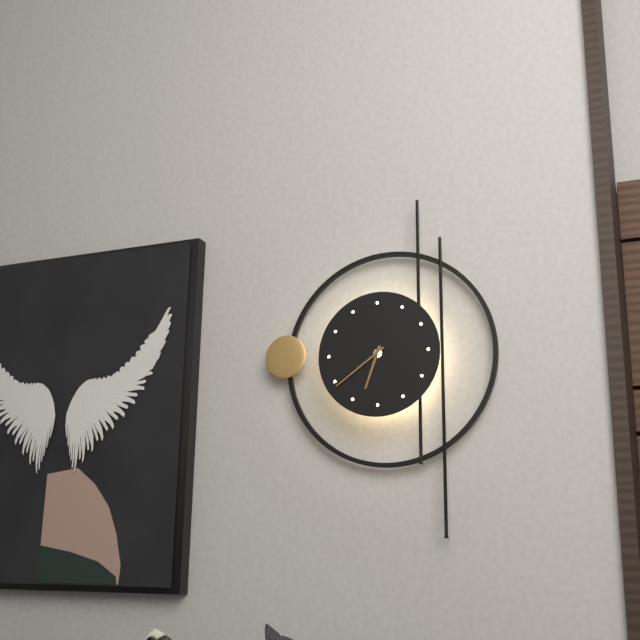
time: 6:39
